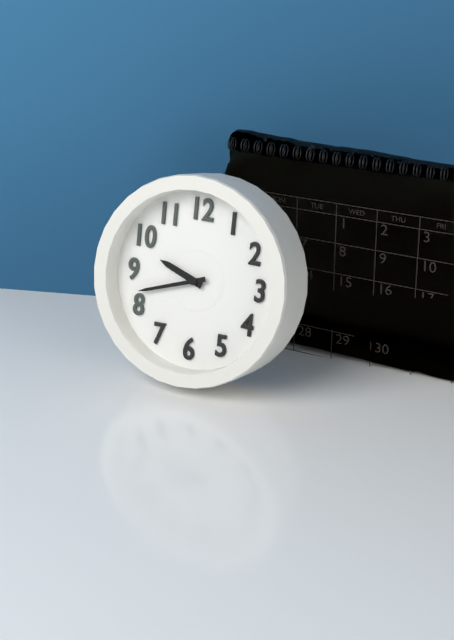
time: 9:42
